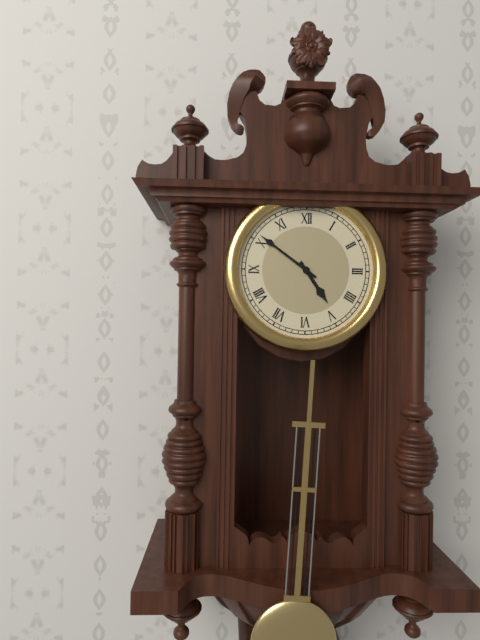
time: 4:51
